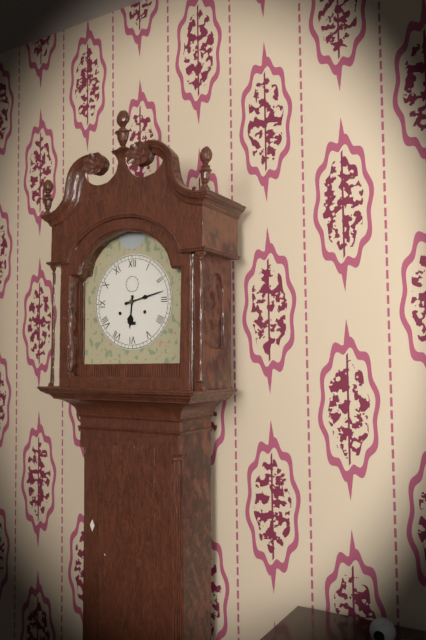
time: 6:13
